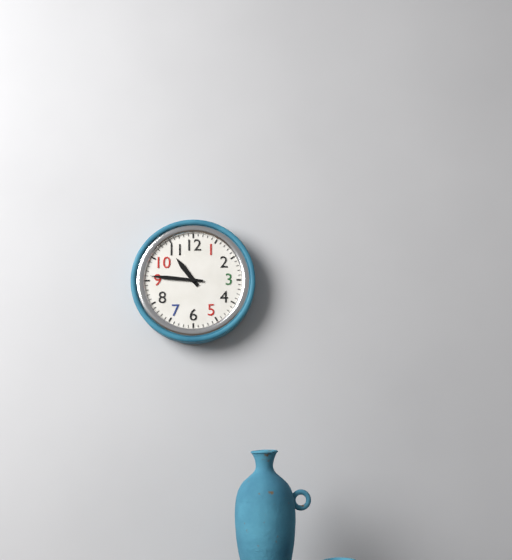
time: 10:46
